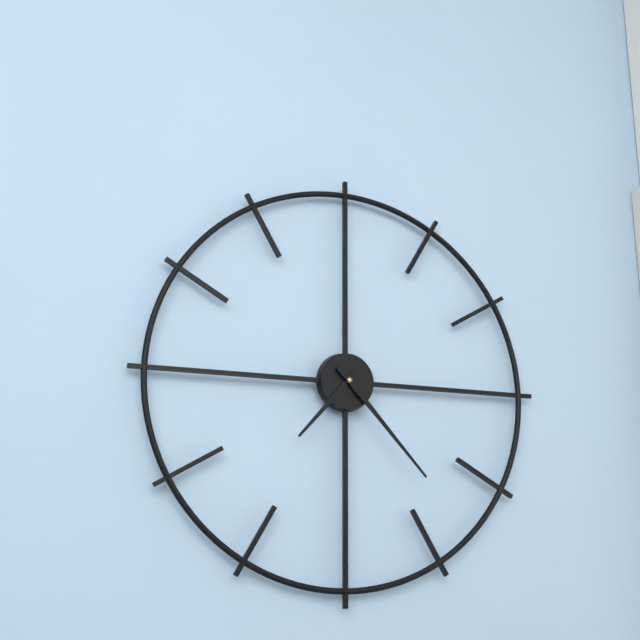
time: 7:23
